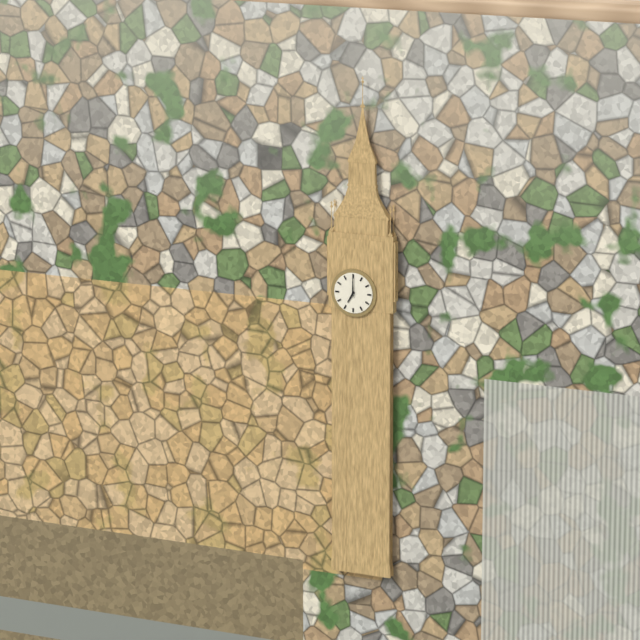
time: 7:00
